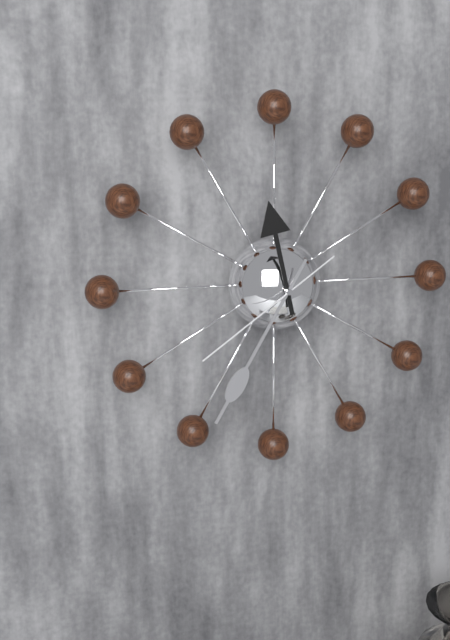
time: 11:35:39
